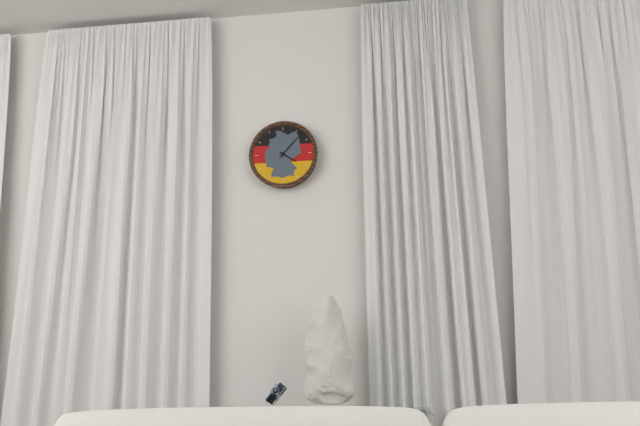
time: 4:07
